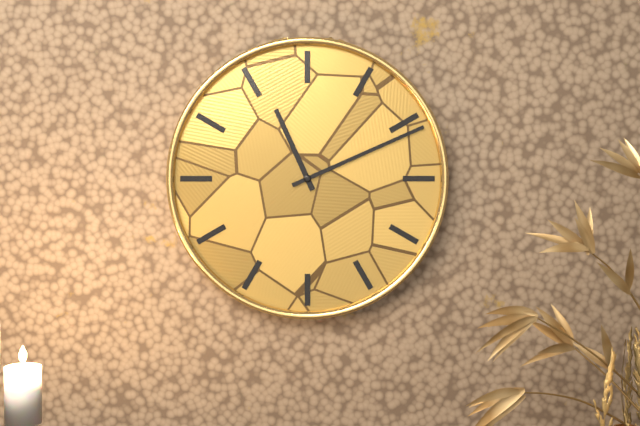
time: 11:11
